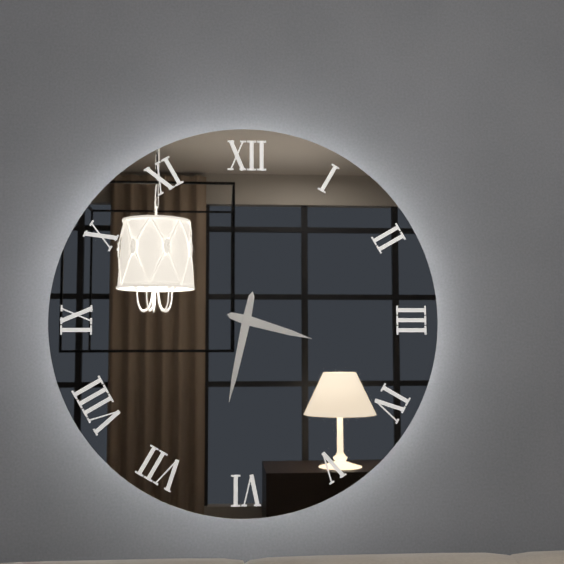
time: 3:32
